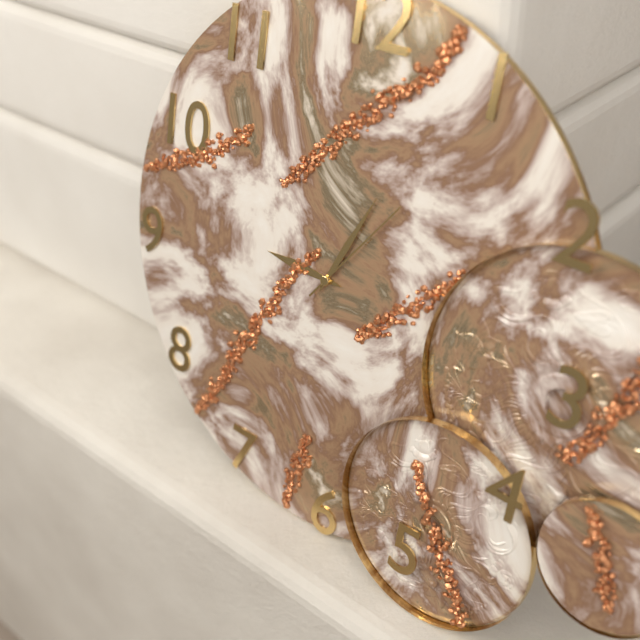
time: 9:04:06
